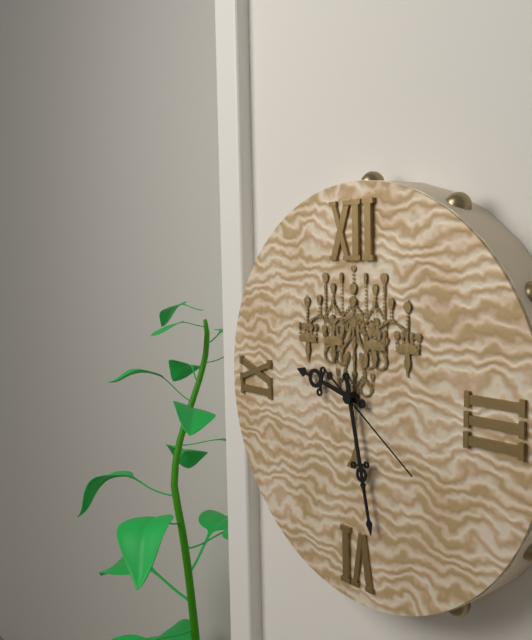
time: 9:28:21
